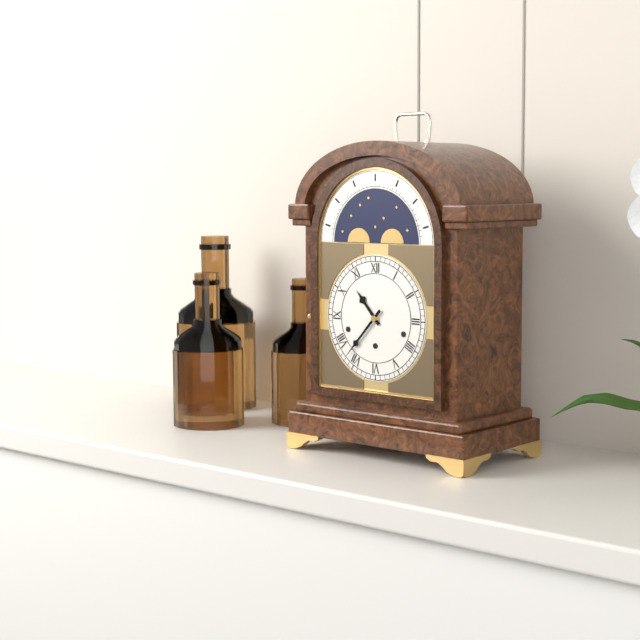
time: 10:37
